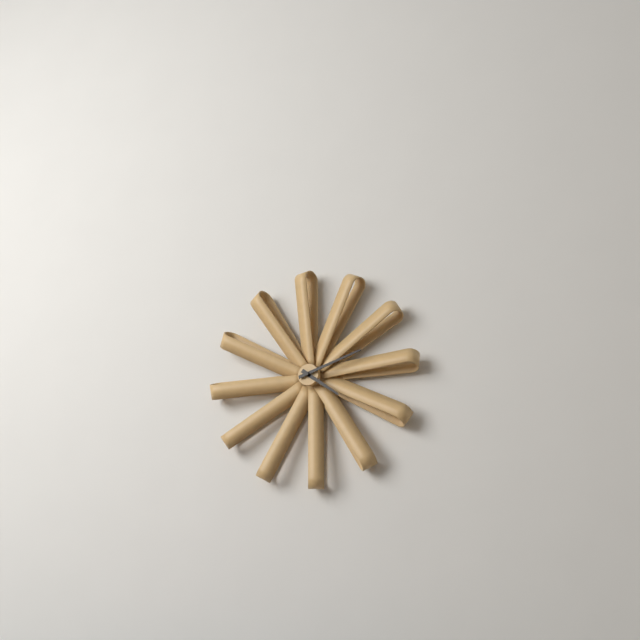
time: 4:12
